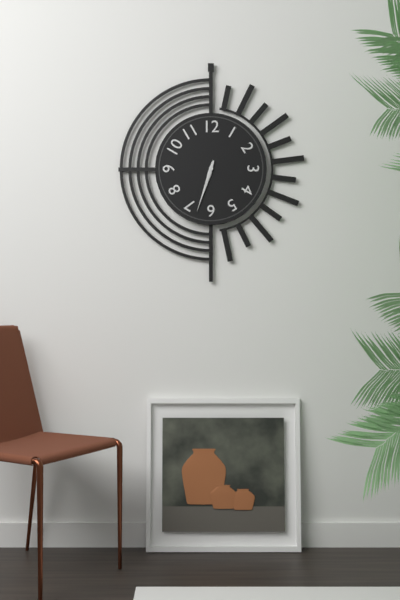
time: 6:33
